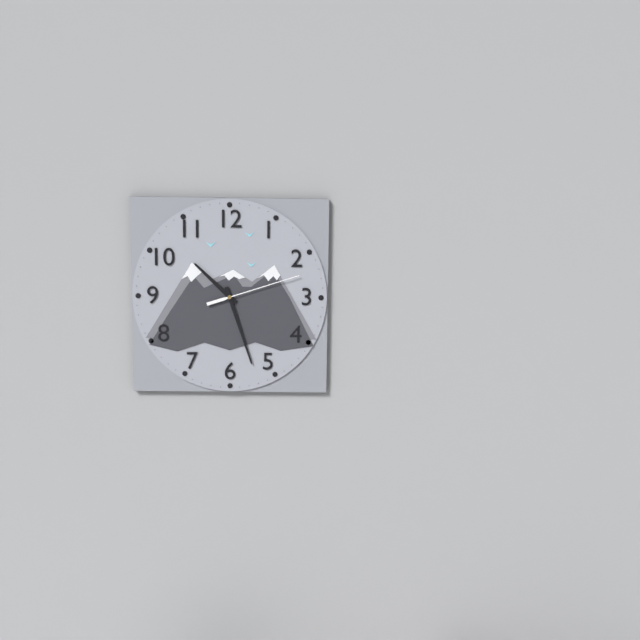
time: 10:27:12
